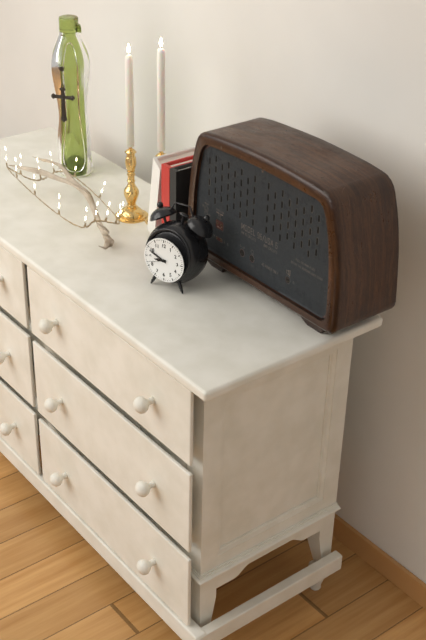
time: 8:49
